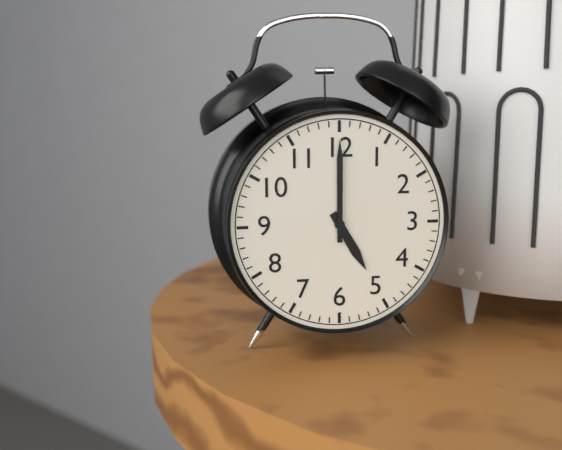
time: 5:00
